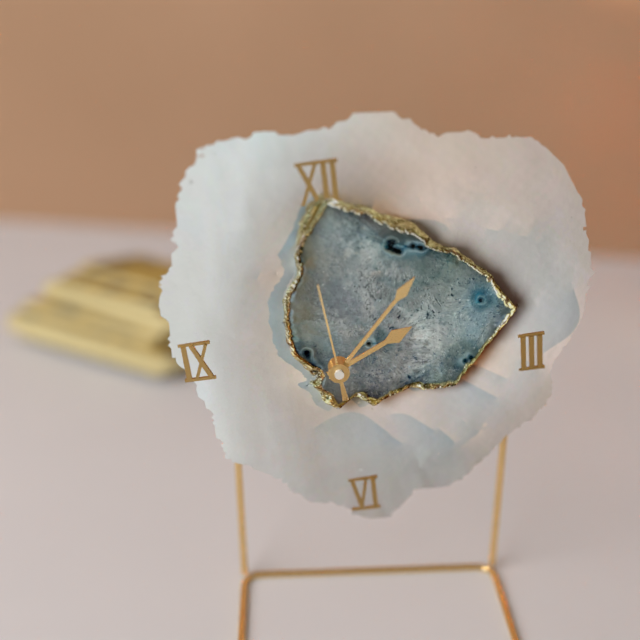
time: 2:07:59
